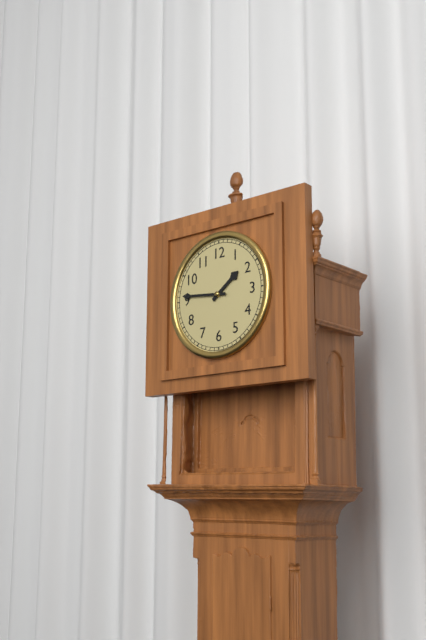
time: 1:46
